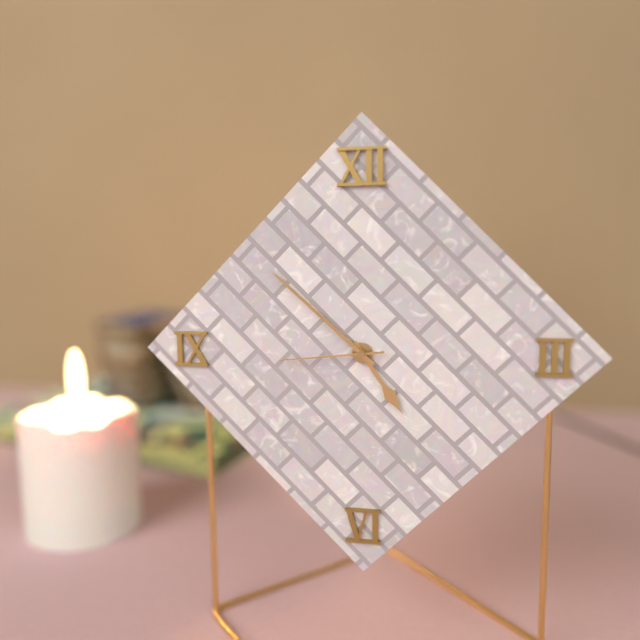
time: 4:52:44
